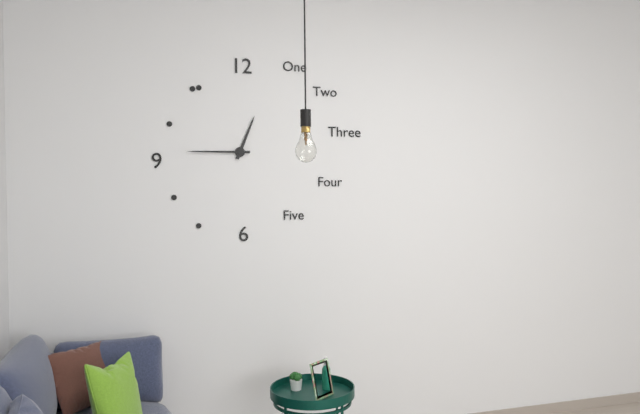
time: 12:45
